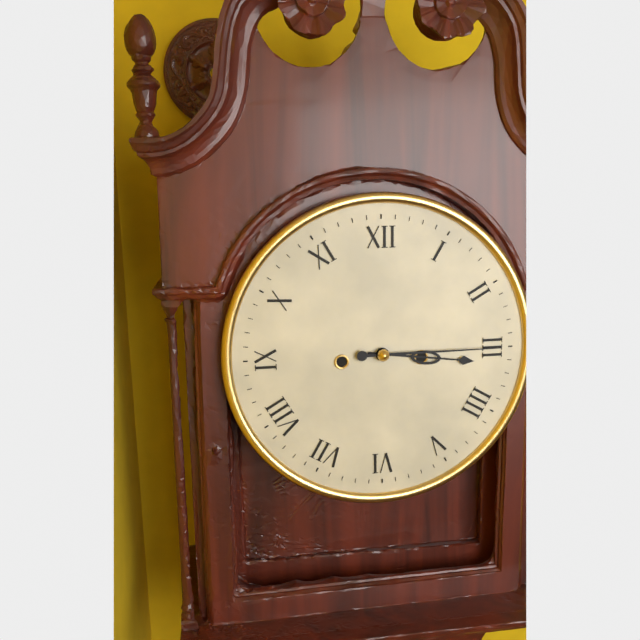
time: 3:15
